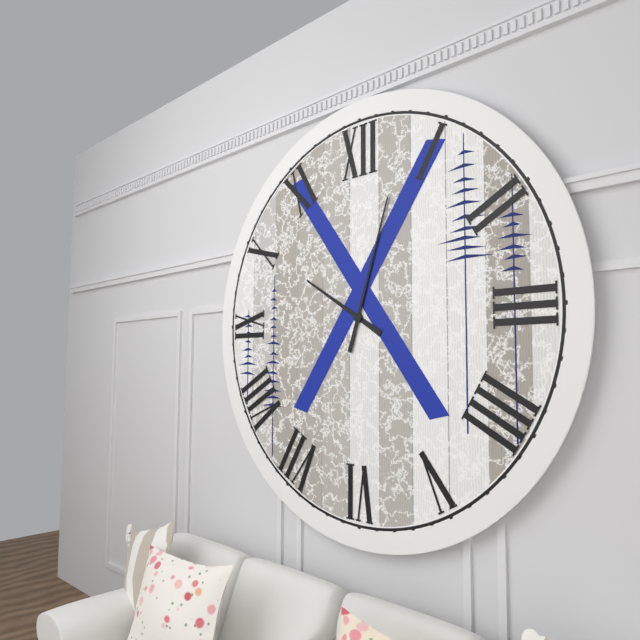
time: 10:03
